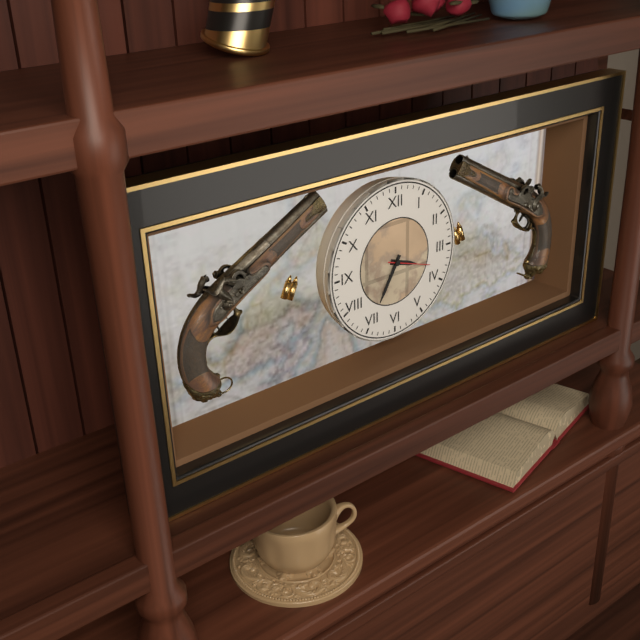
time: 3:35
